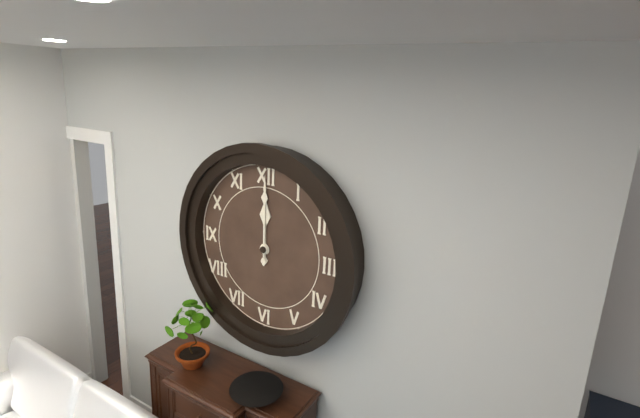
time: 12:00
